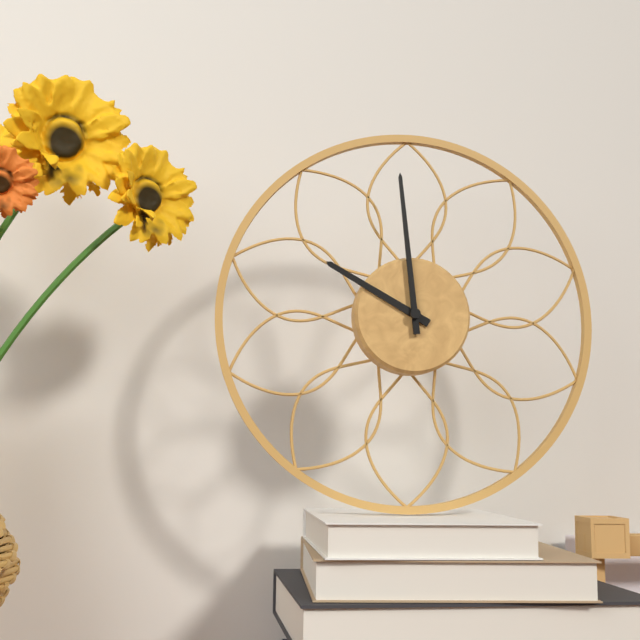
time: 9:59
